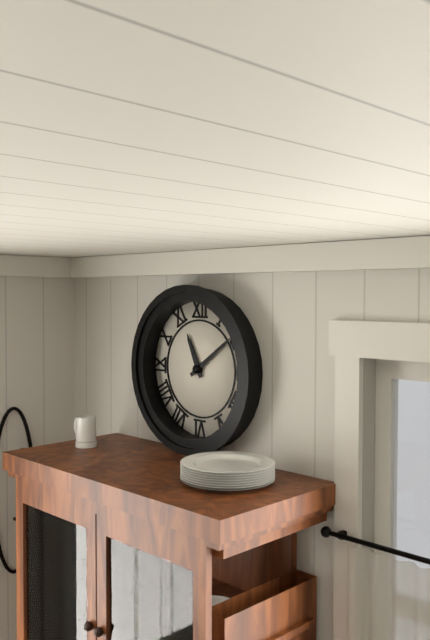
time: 11:09
